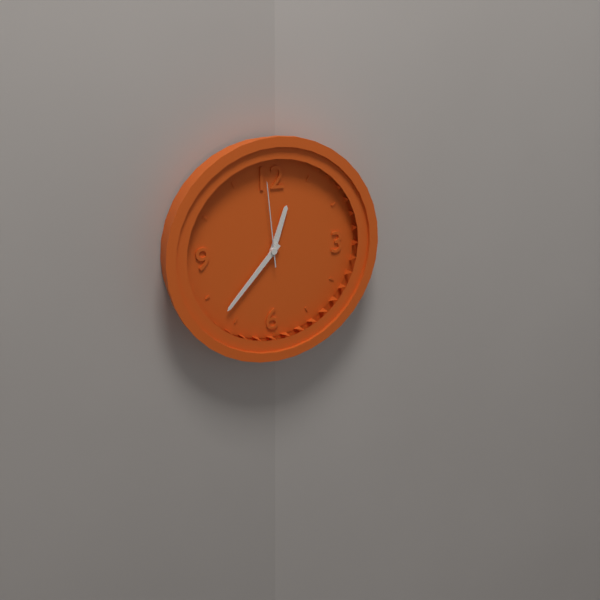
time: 12:37:59
